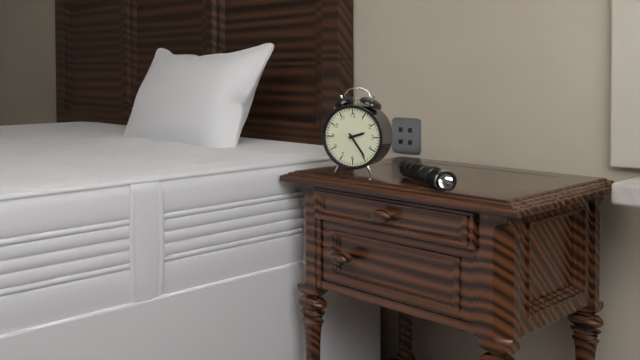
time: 2:24
